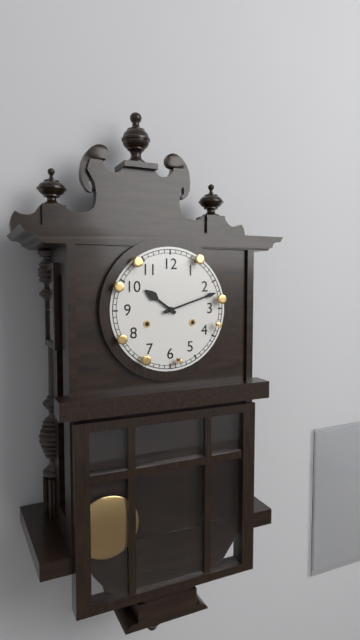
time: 10:12
